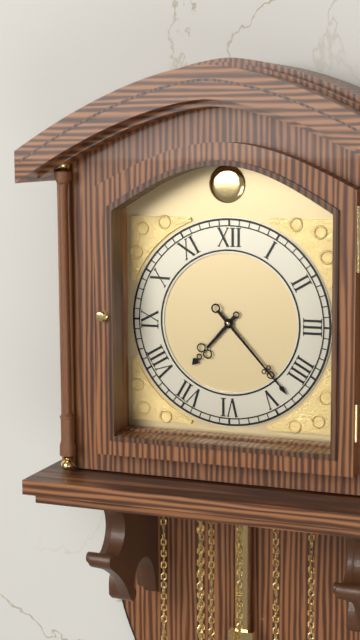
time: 7:23
